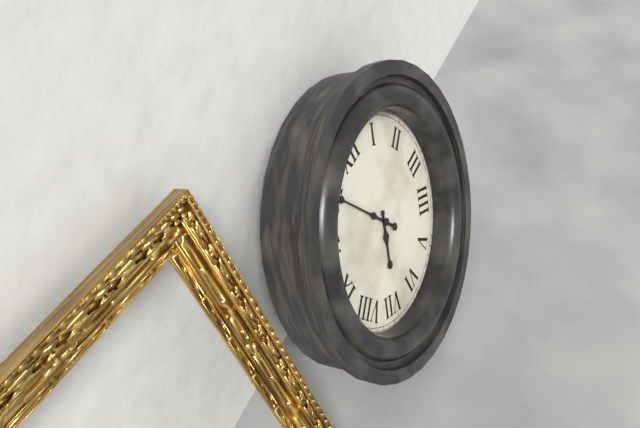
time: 6:55
